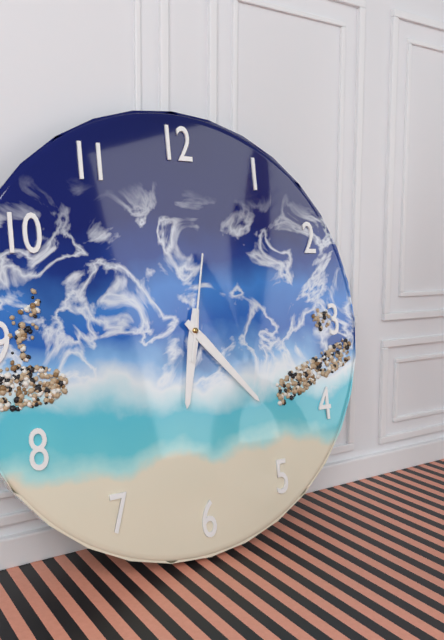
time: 6:23:02
